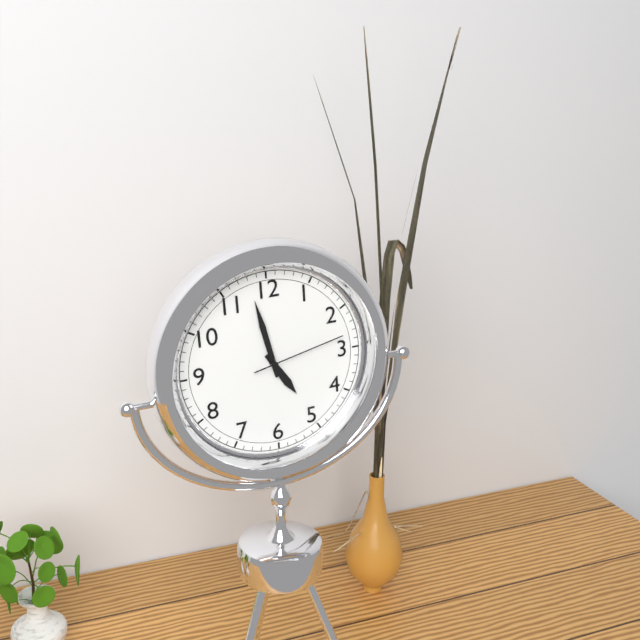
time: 4:58:13
